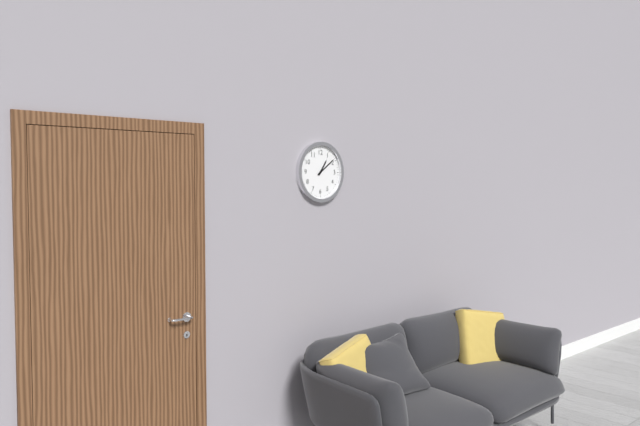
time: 1:09
